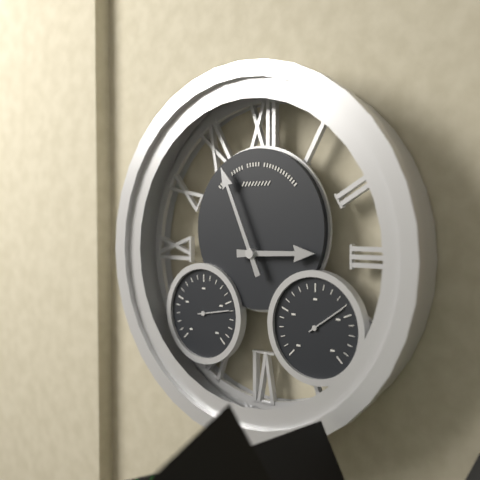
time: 2:56
